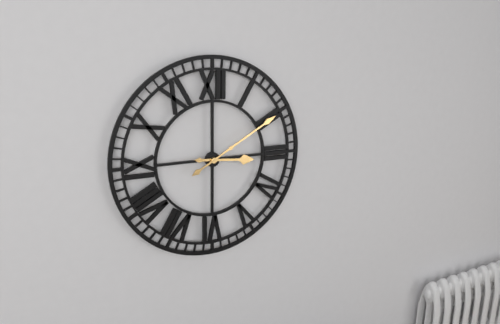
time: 3:10
